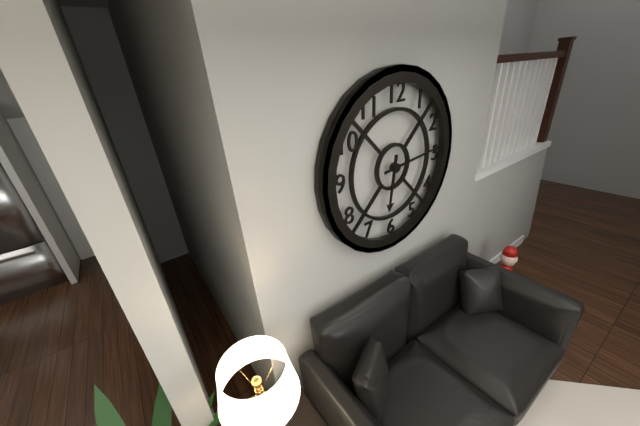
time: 6:14
